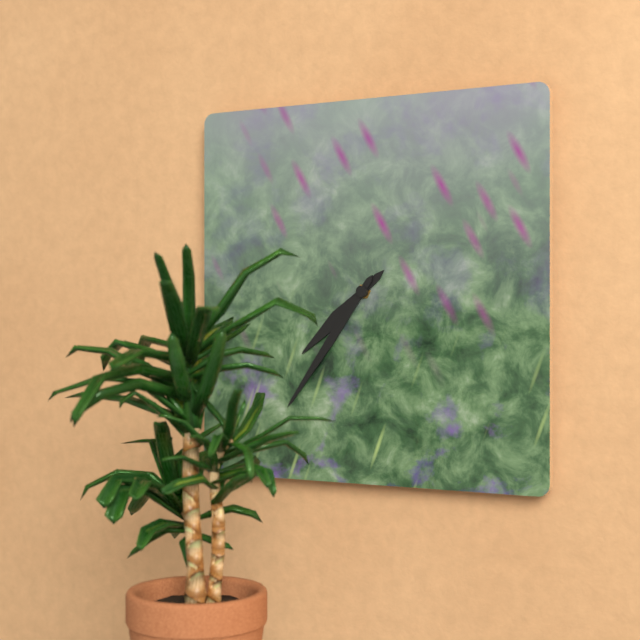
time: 7:36
